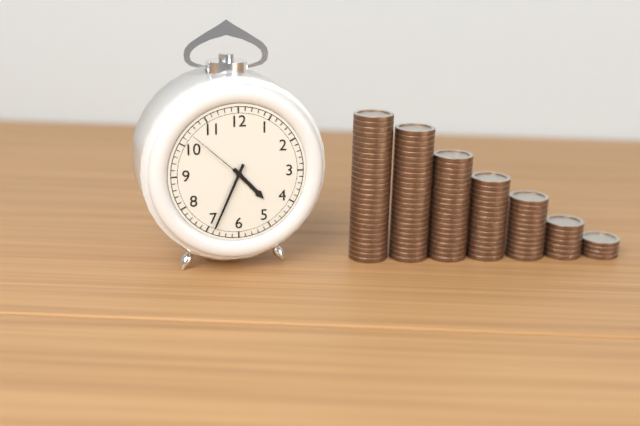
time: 4:34:52
